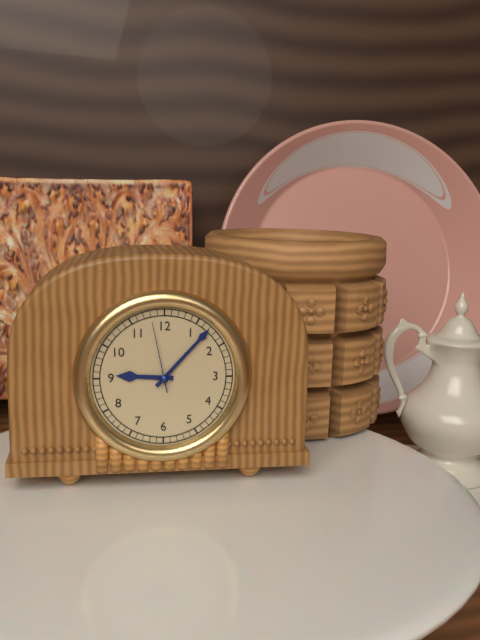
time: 9:07:58
